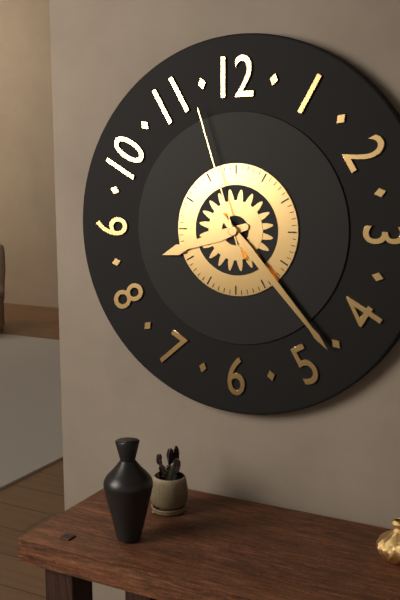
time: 8:23:57
